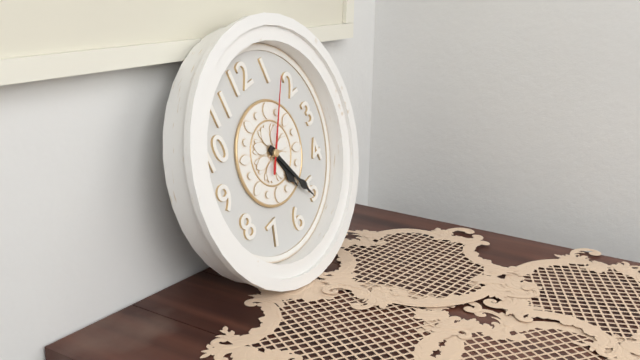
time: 5:26:07
